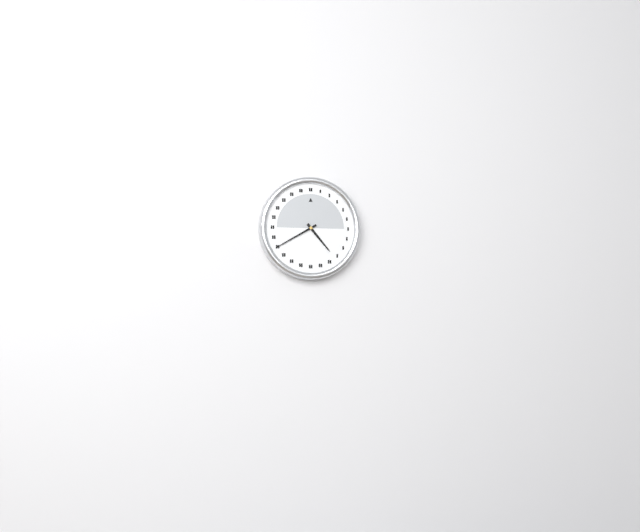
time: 4:40
